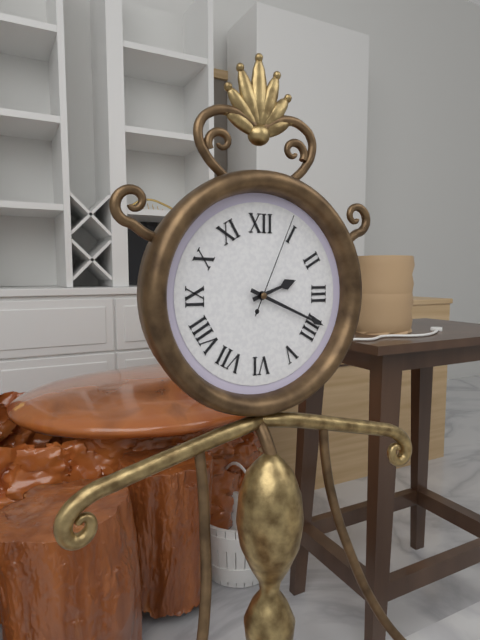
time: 2:19:04
